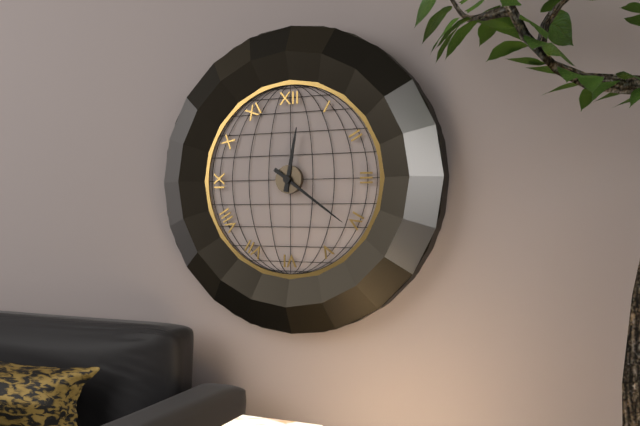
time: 12:21
